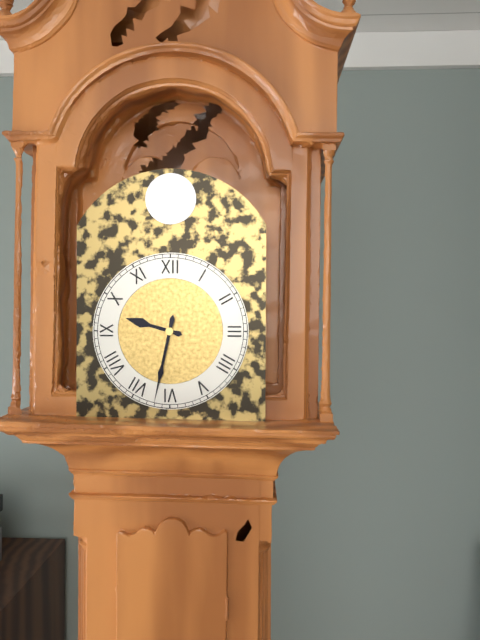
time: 9:32
